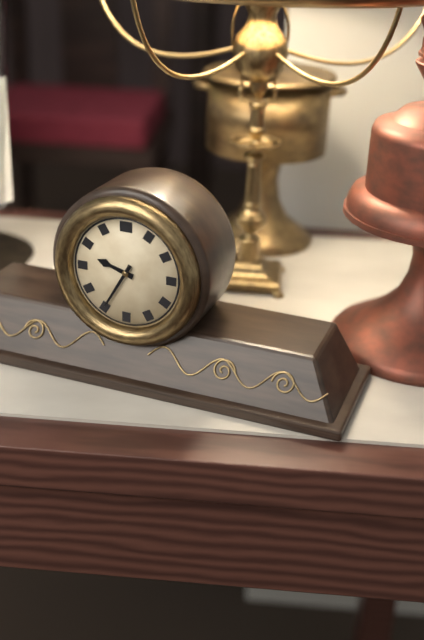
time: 9:35
